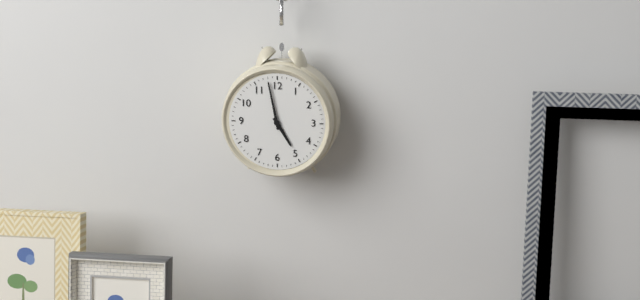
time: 4:58
